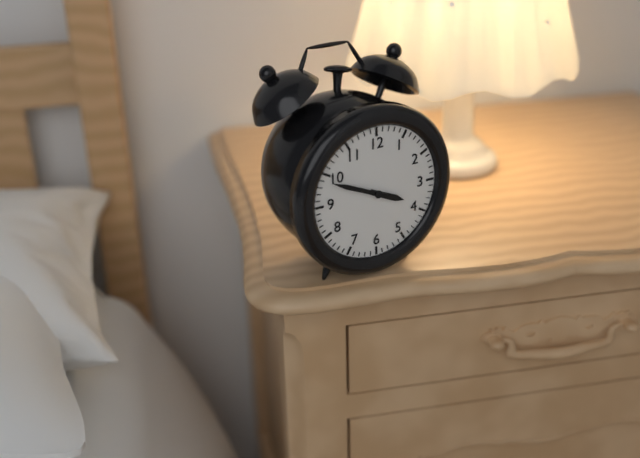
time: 3:49
